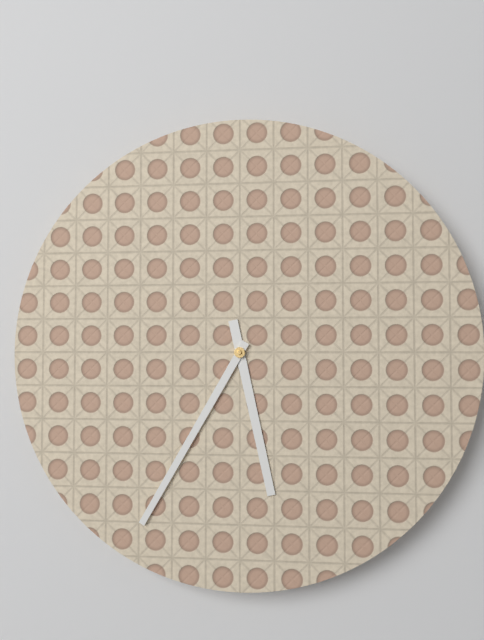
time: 5:35
